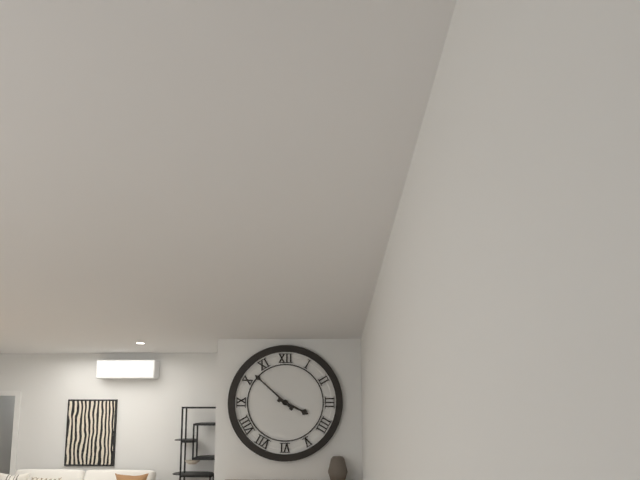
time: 3:52
